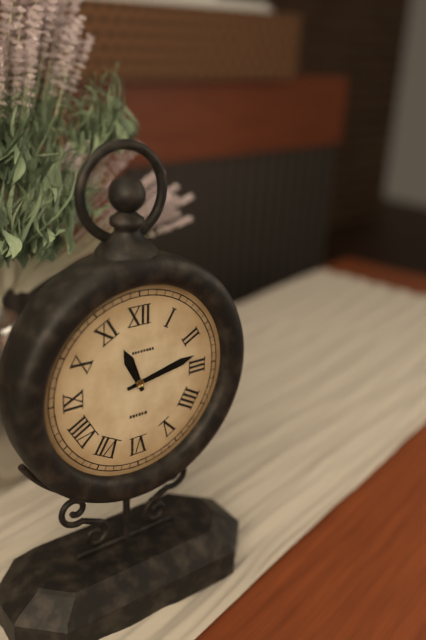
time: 11:13
